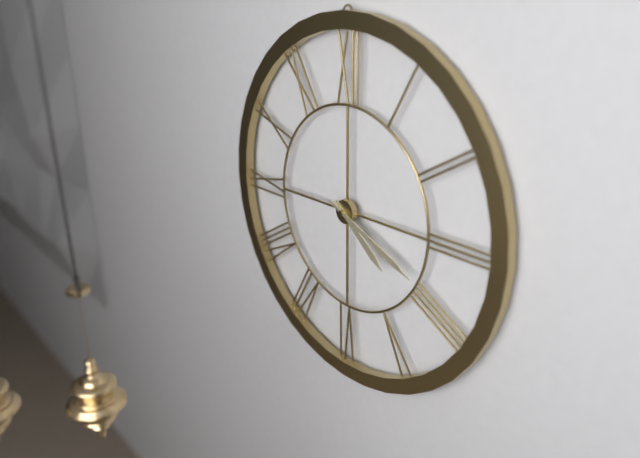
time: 4:19
